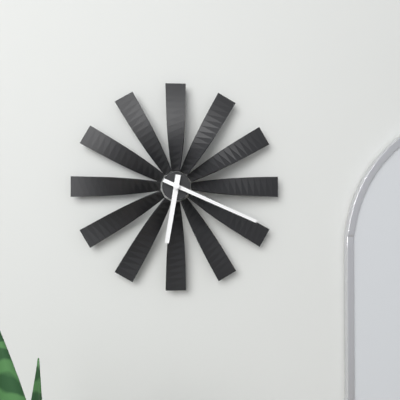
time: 6:19
